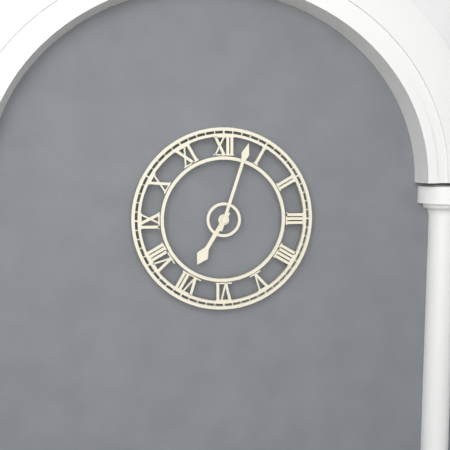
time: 7:03
